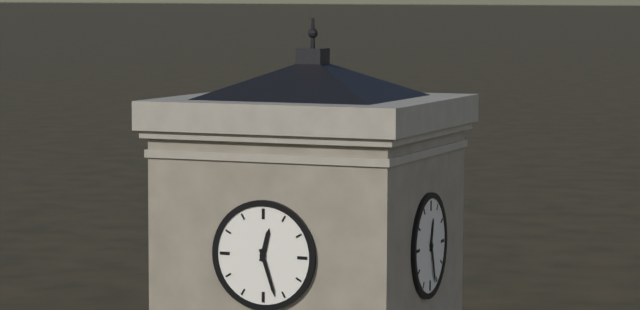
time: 12:27
